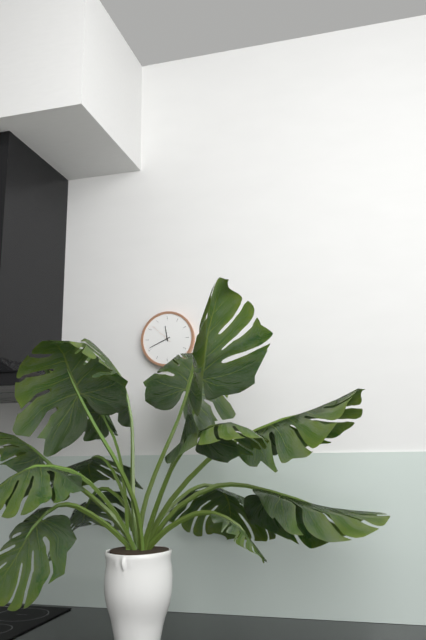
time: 11:41
